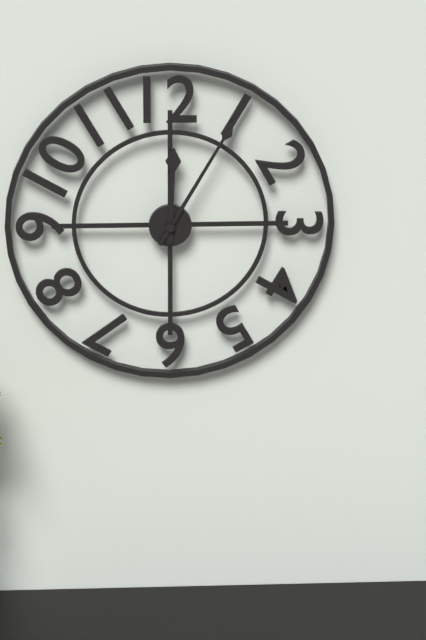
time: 12:05
